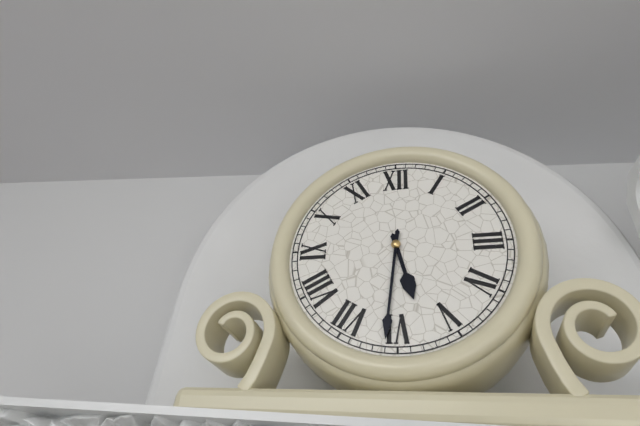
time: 5:31
